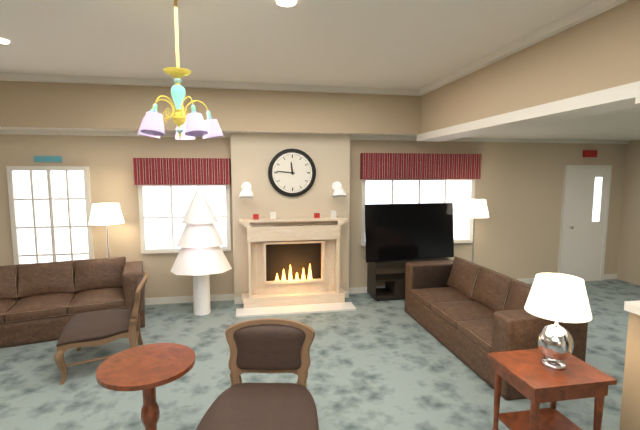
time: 11:46
